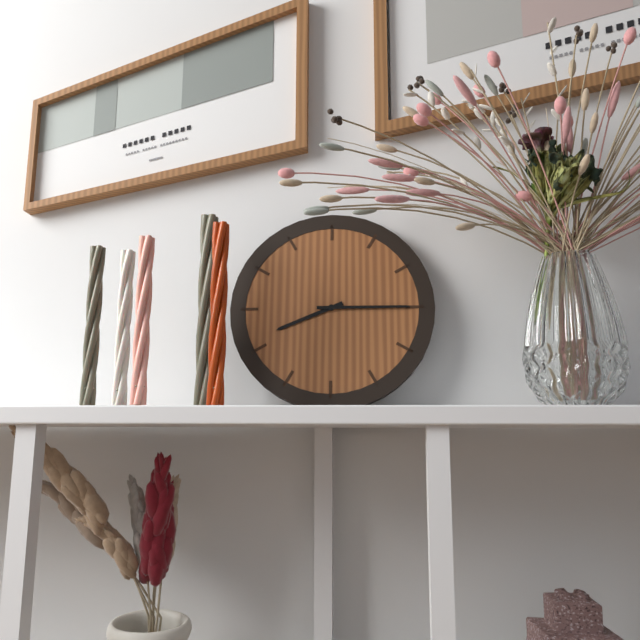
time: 8:15
